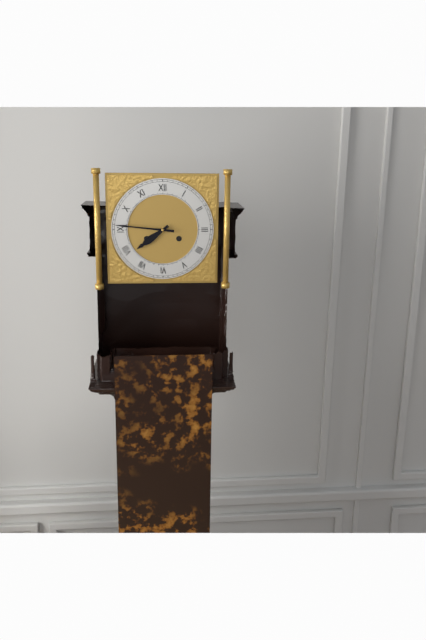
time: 7:46
